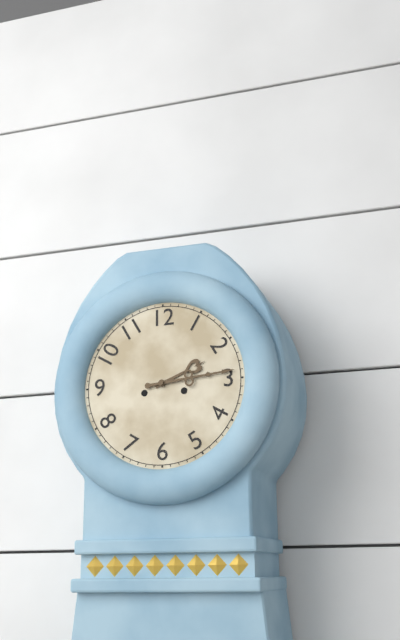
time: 2:14
